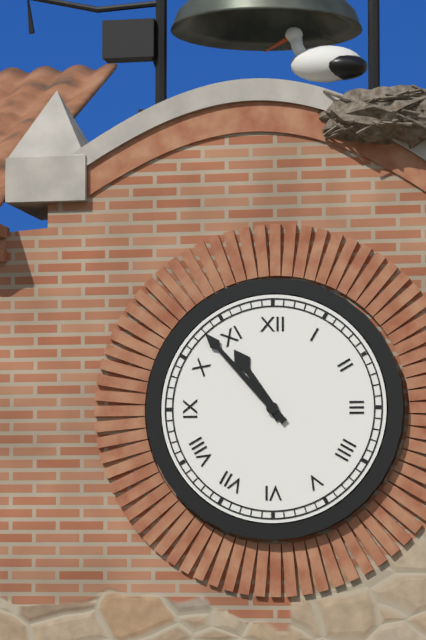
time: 10:53
